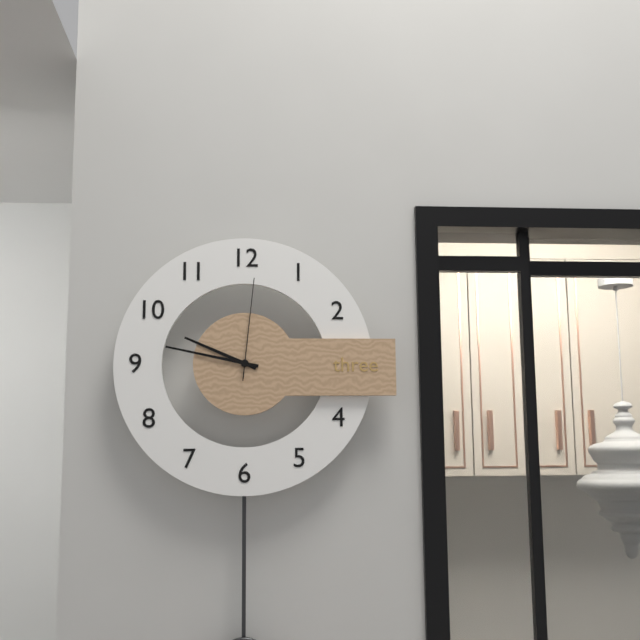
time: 9:47:01
